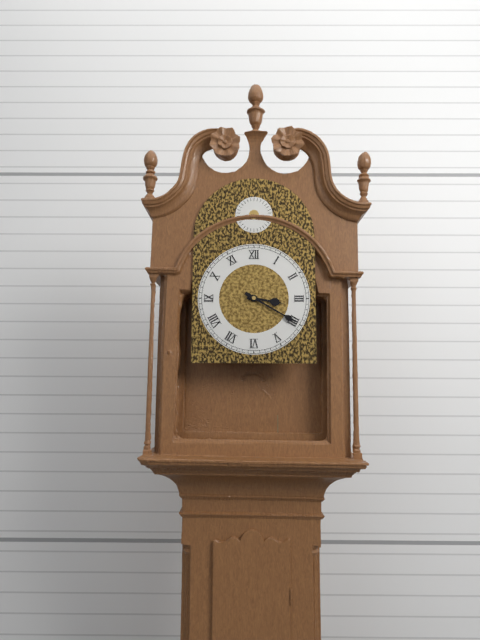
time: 3:20
